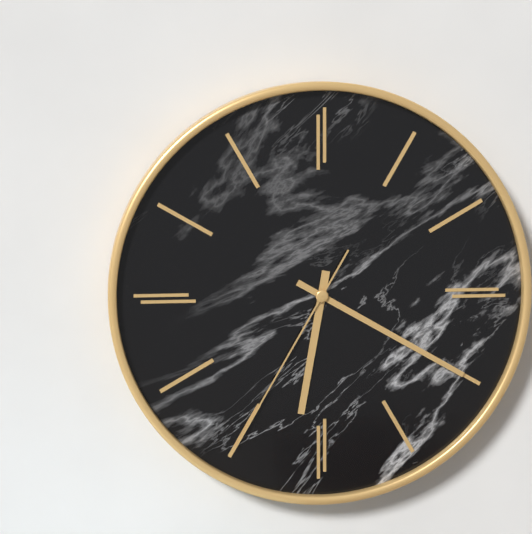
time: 6:20:35
